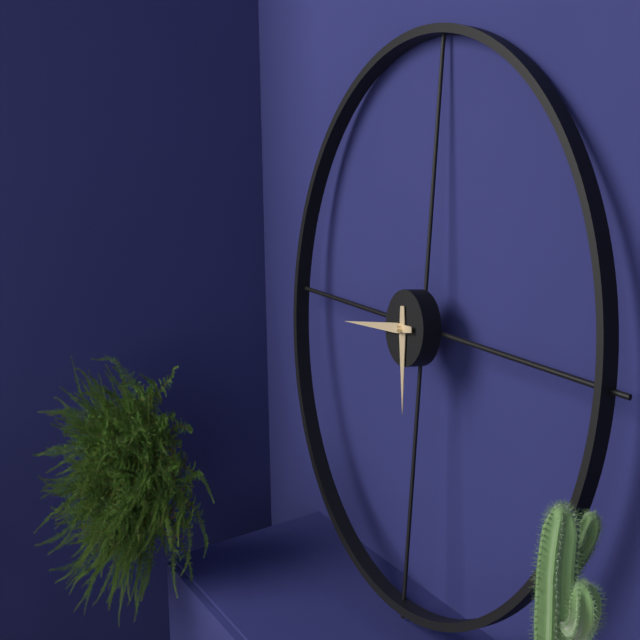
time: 5:44
